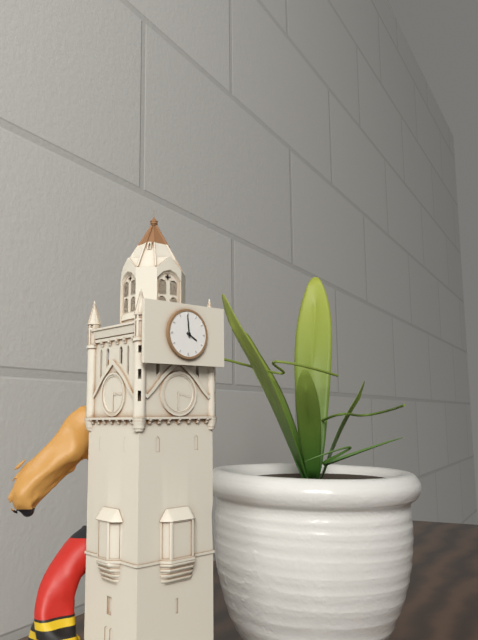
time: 3:59
